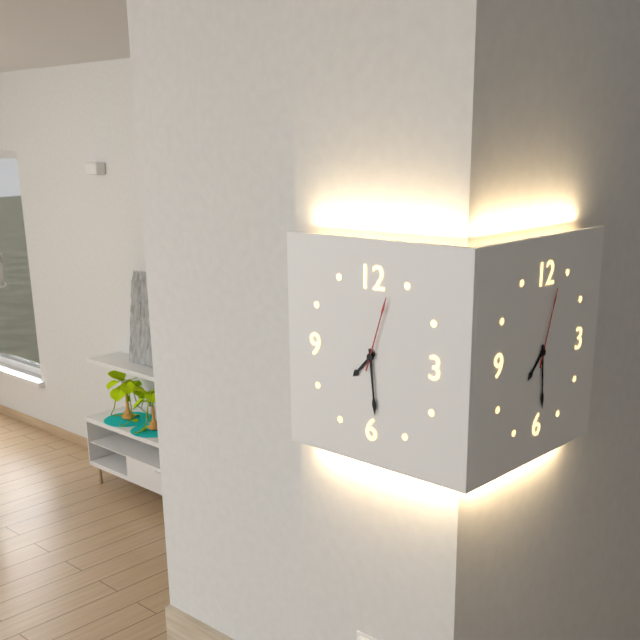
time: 7:29:03
